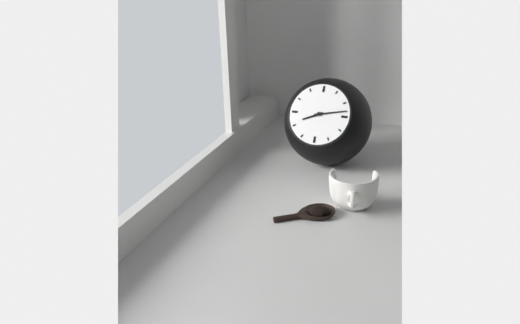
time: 8:13
